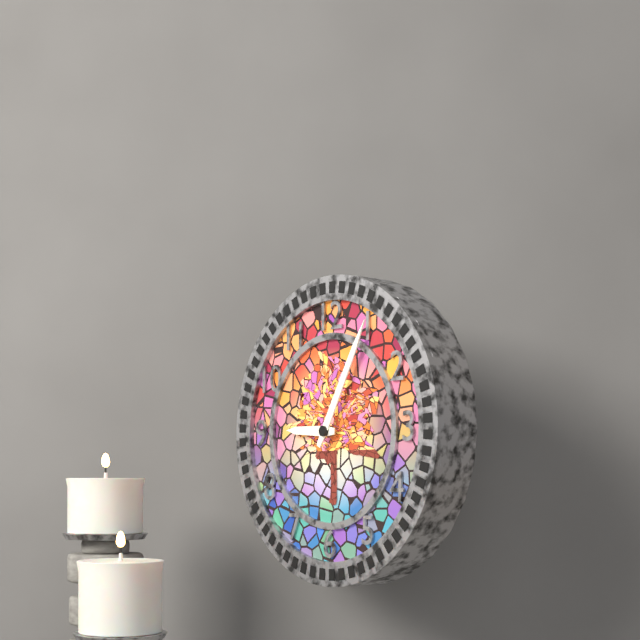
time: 9:05
